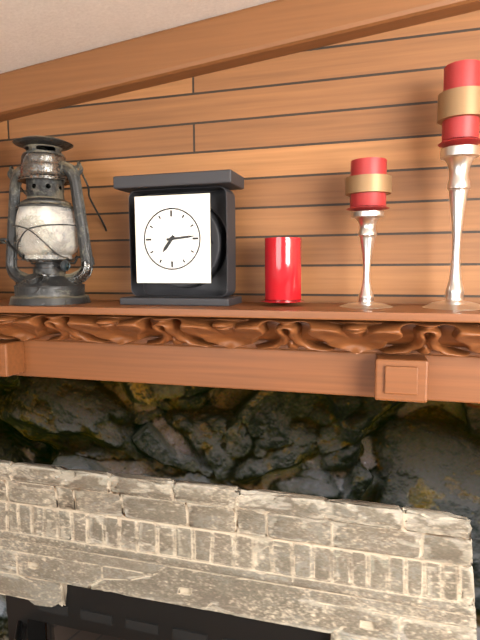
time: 7:14
